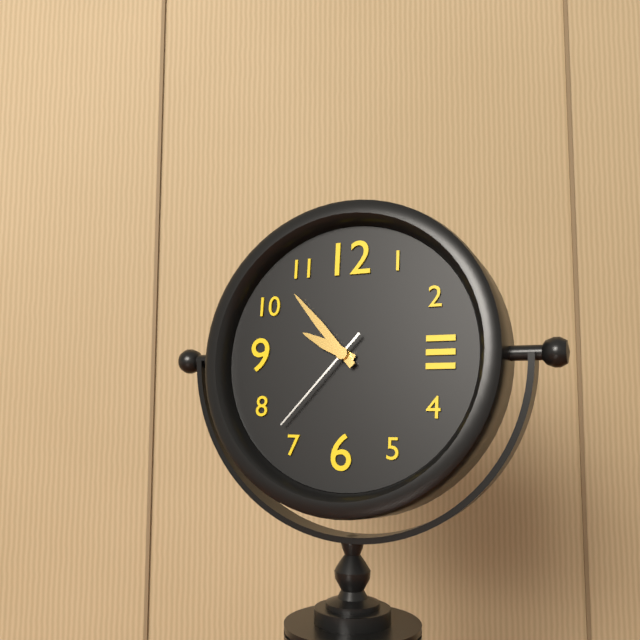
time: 9:53:37
